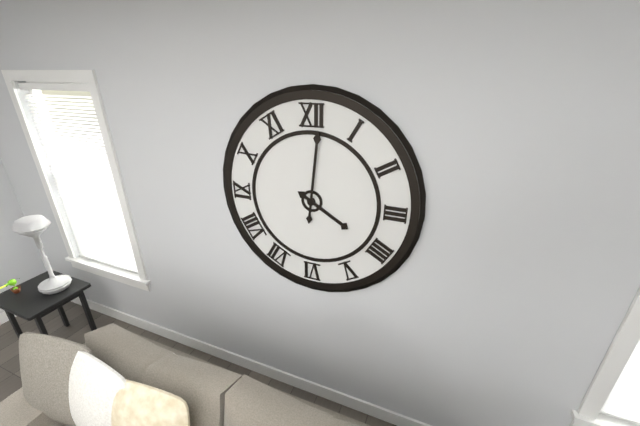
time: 4:01
